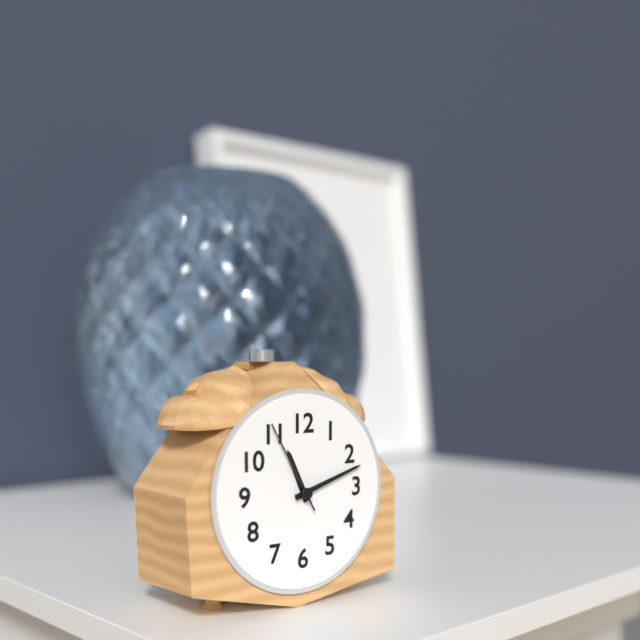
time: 11:12:55
